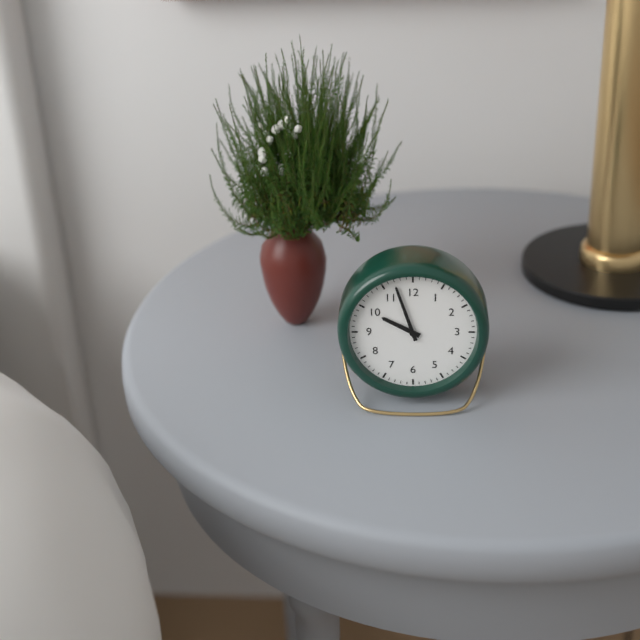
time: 9:57
